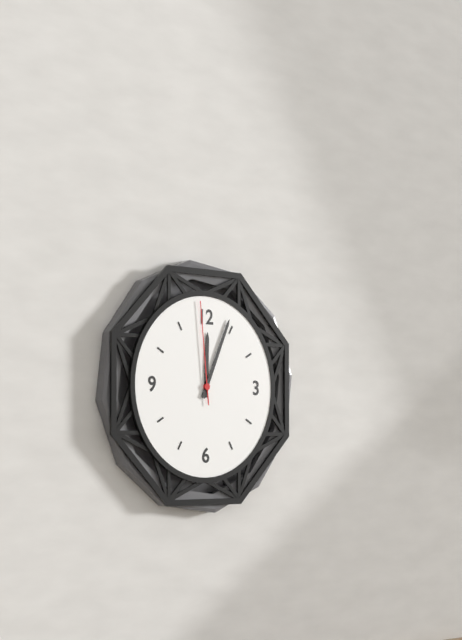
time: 12:04:59
